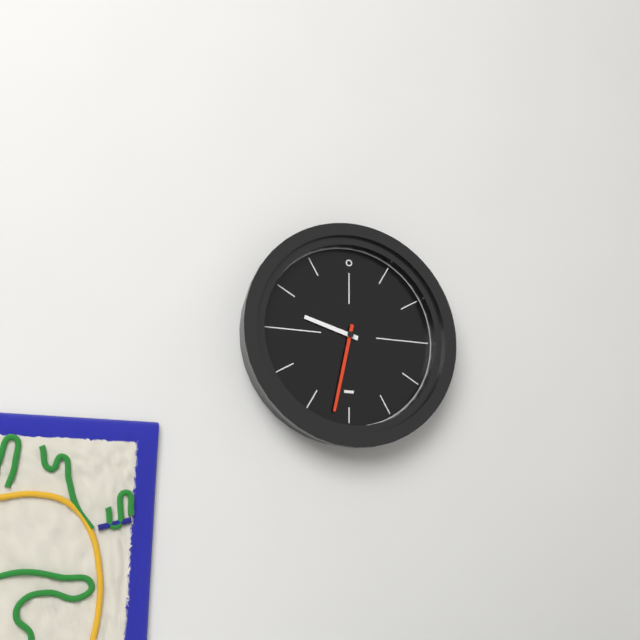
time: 9:32
